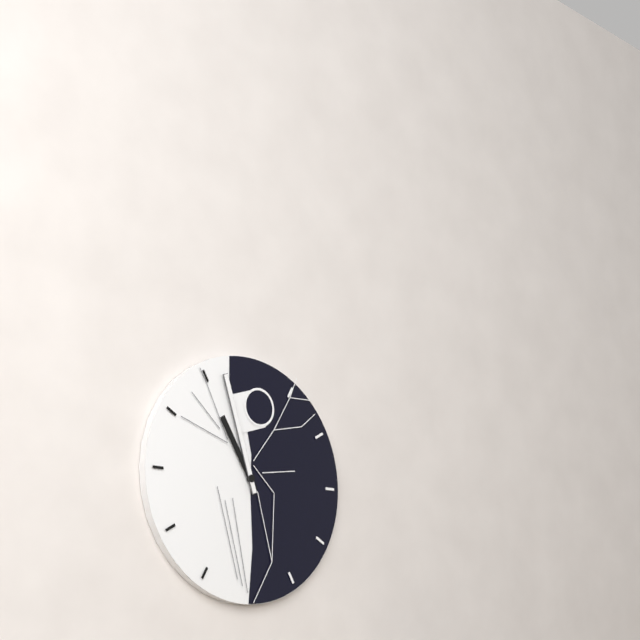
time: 10:57
